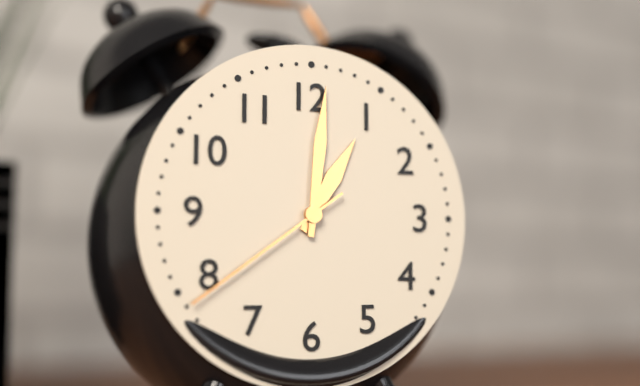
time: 1:01:39
